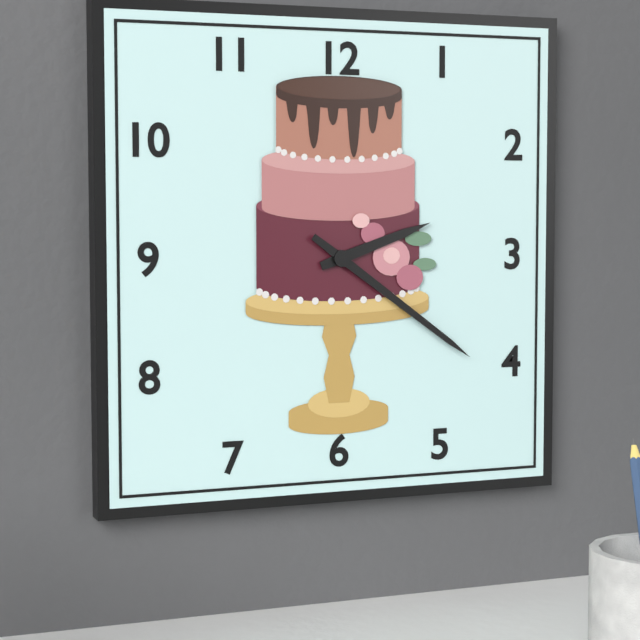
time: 2:21
